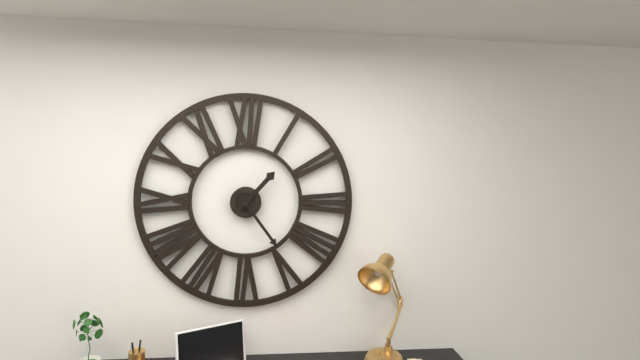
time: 1:24
